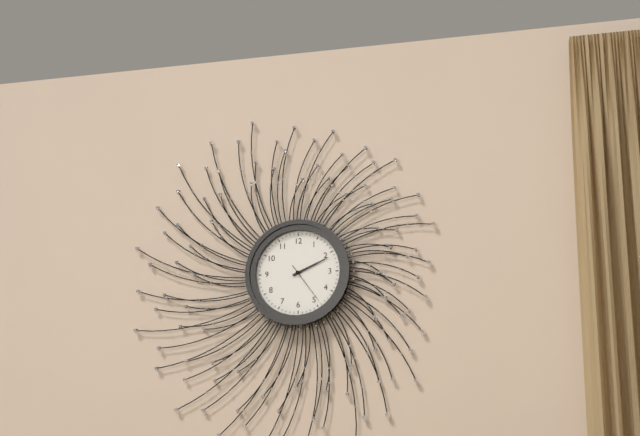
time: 2:11
